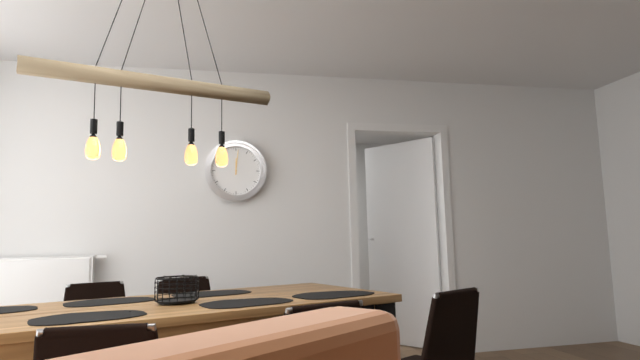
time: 12:01
